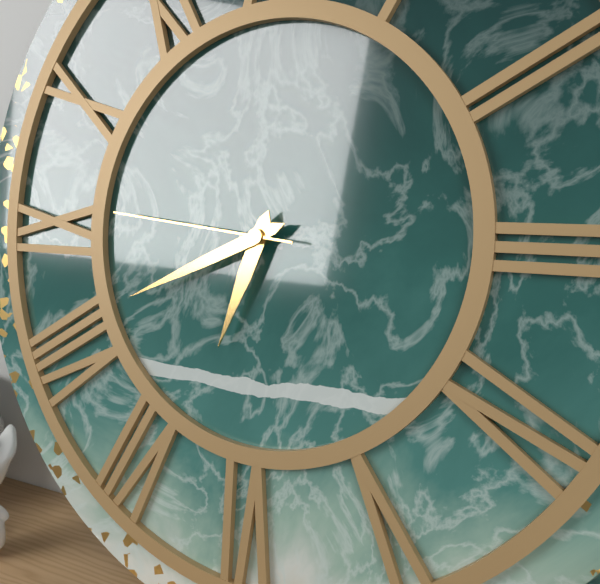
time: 6:41:46
